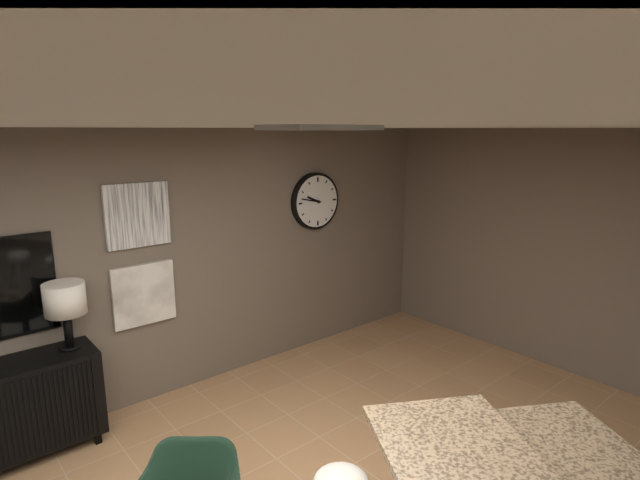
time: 9:47
